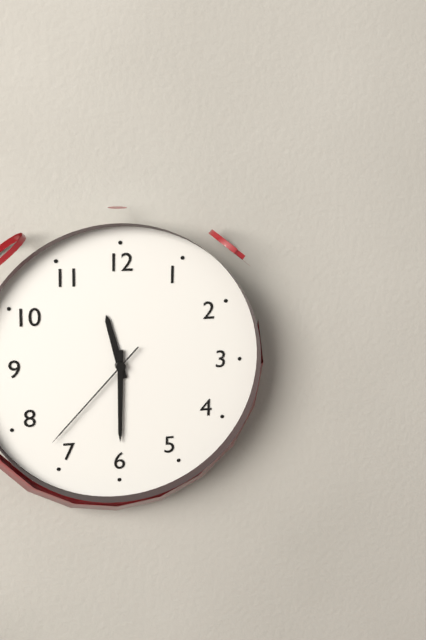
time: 11:30:37
